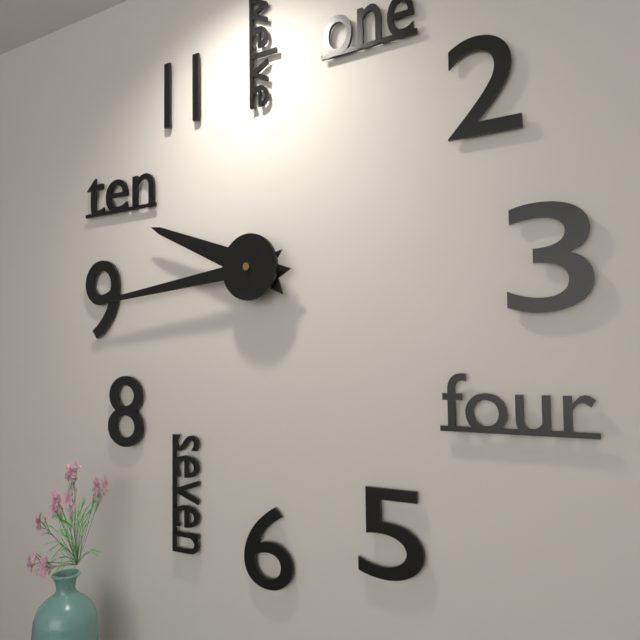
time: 9:44
